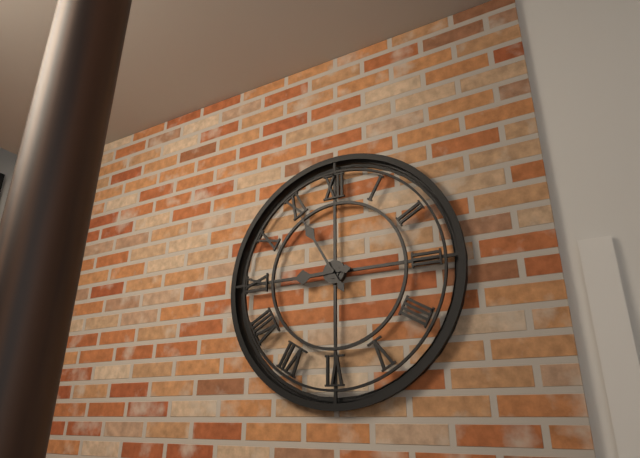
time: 8:55
